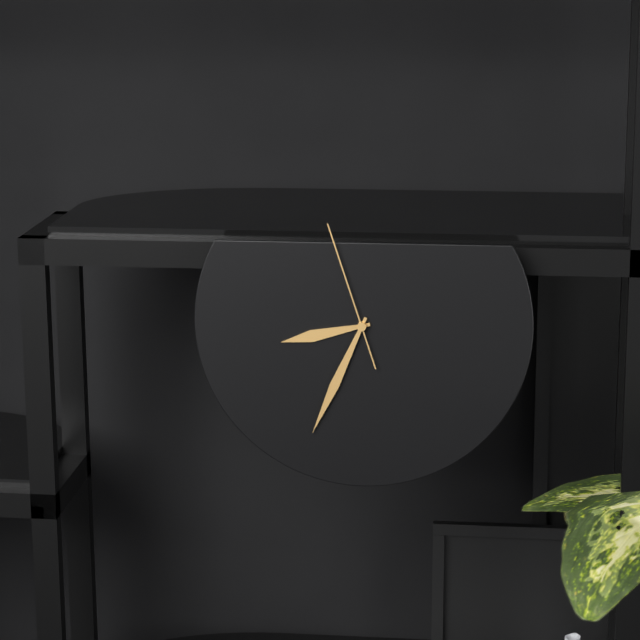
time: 8:34:57
